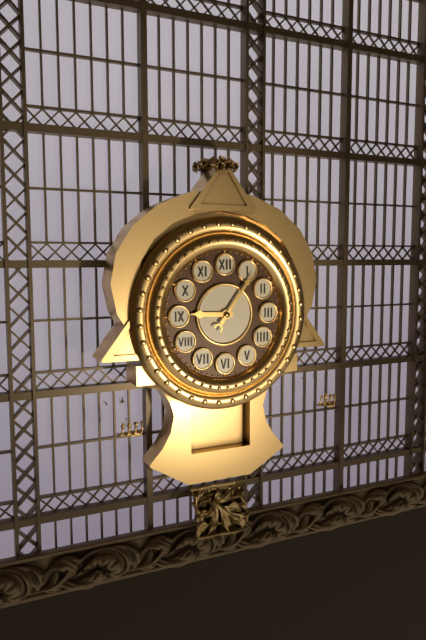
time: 9:06
